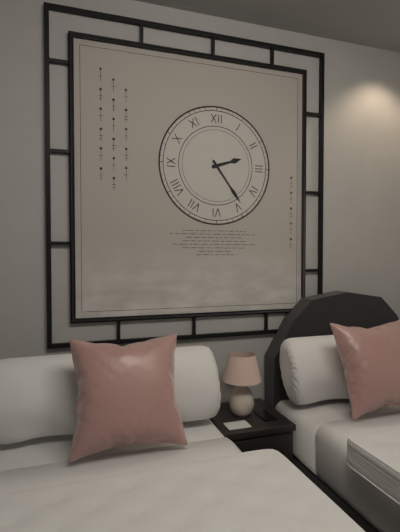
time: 2:24
